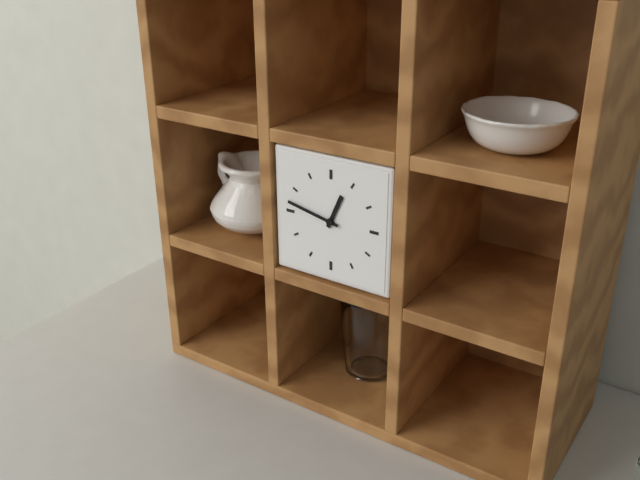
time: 12:47
